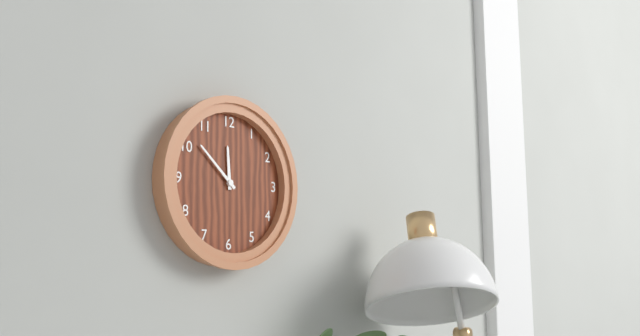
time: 11:52
